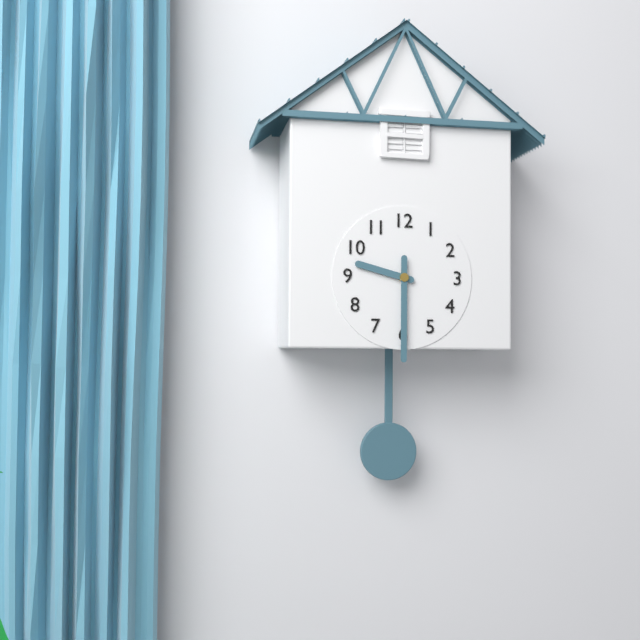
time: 9:30
